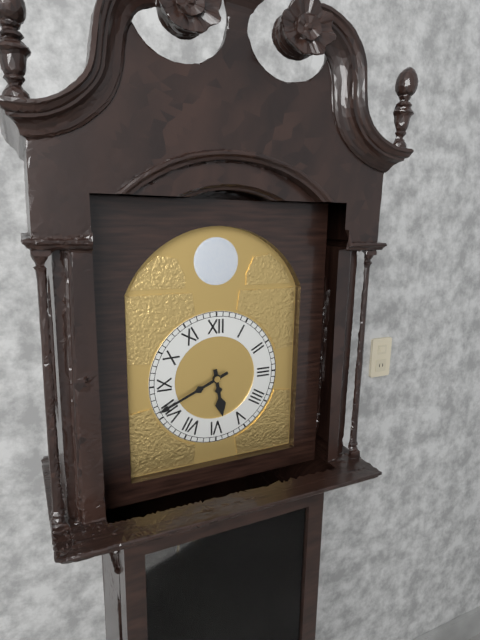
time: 5:41
